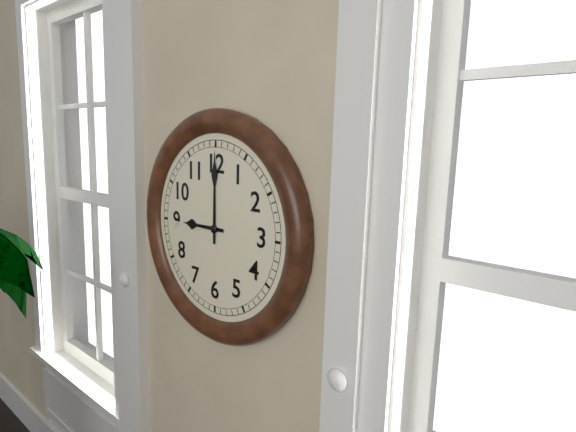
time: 9:00
